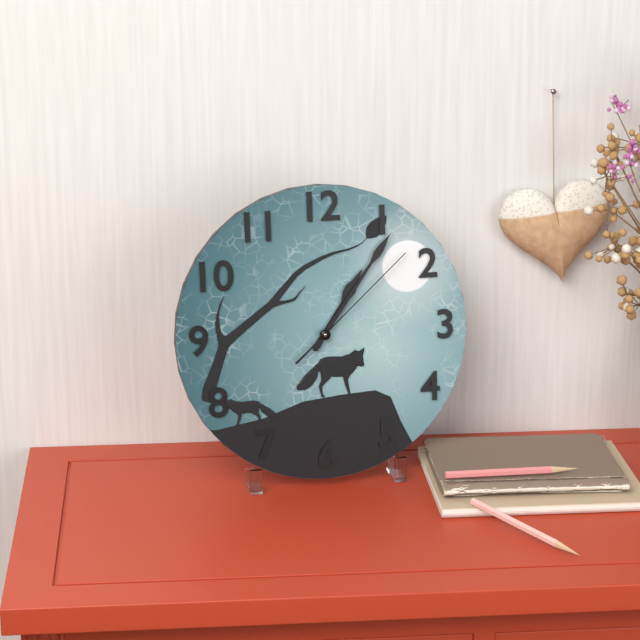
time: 1:06:08
